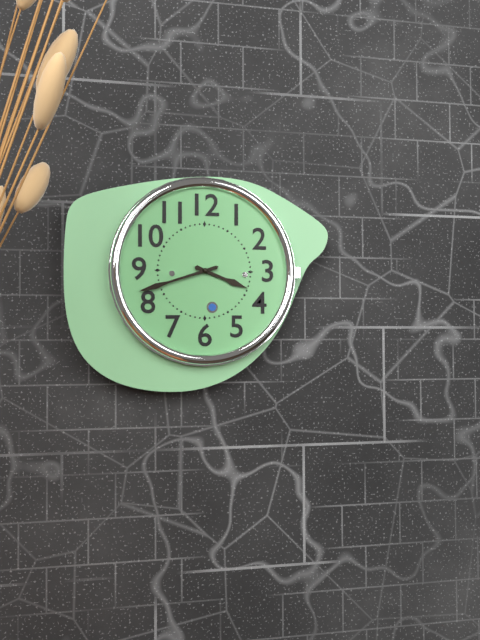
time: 3:42
